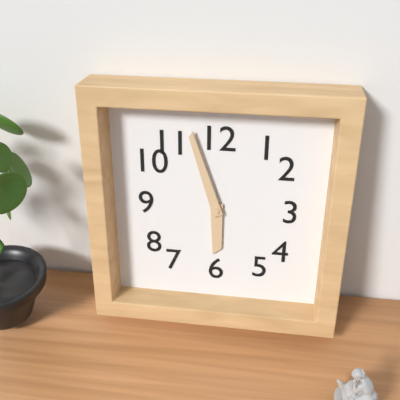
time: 5:57
